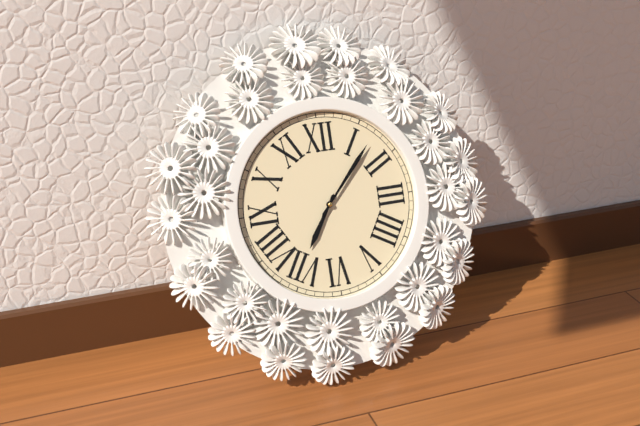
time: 7:07
